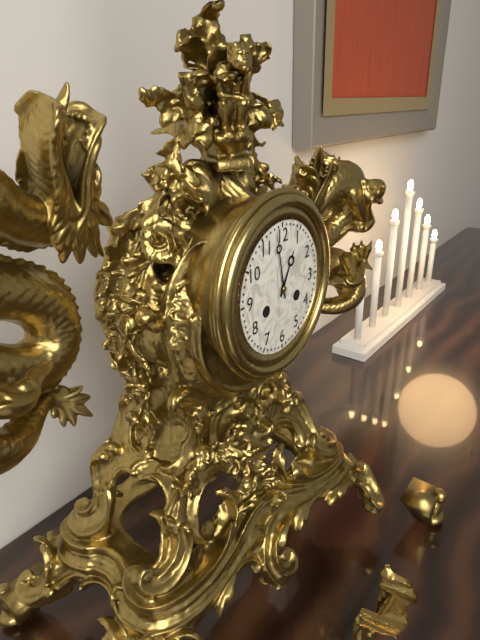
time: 12:58
